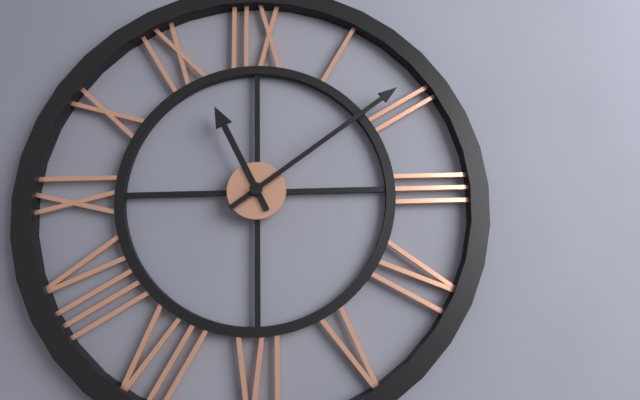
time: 11:09
